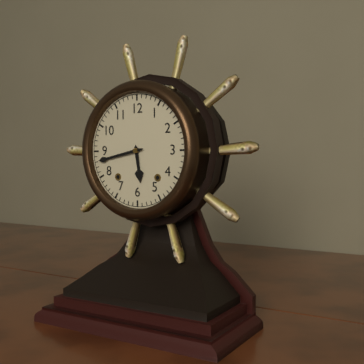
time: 5:43
